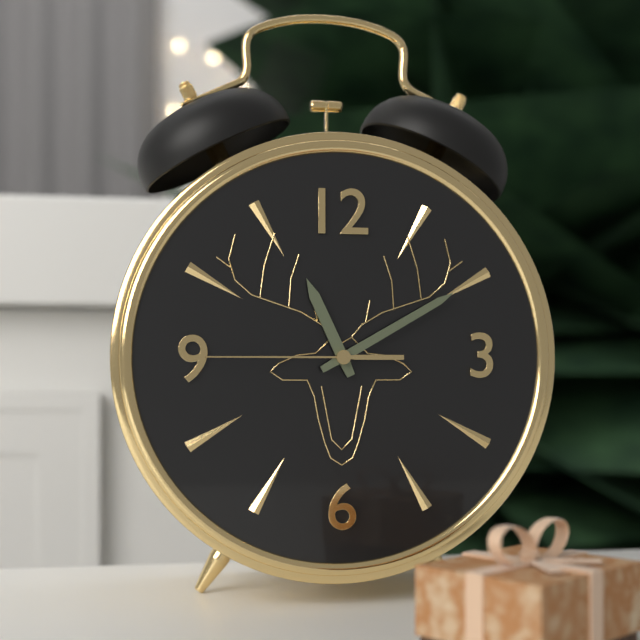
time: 11:10:45
